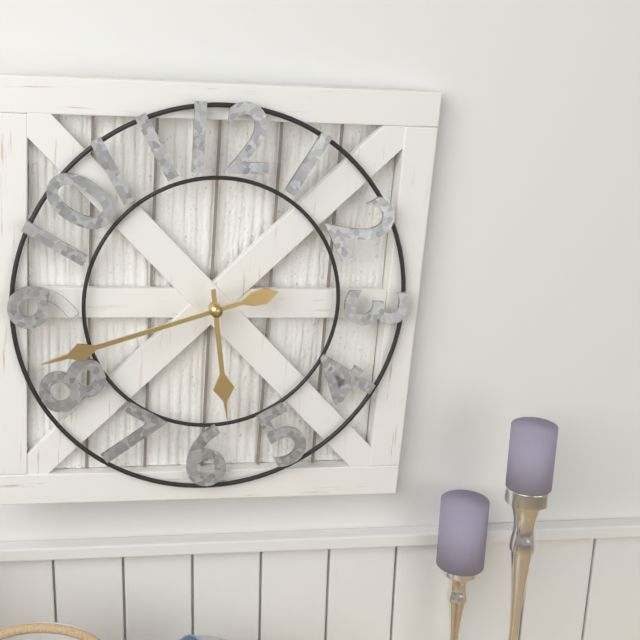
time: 5:42
